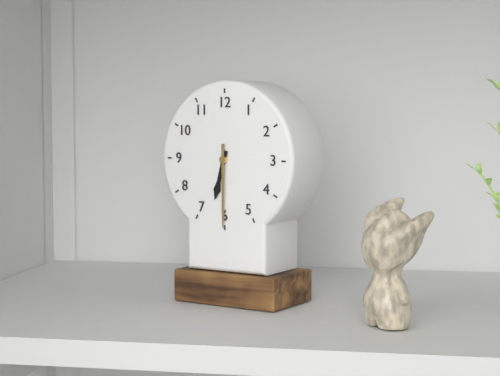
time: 6:30
